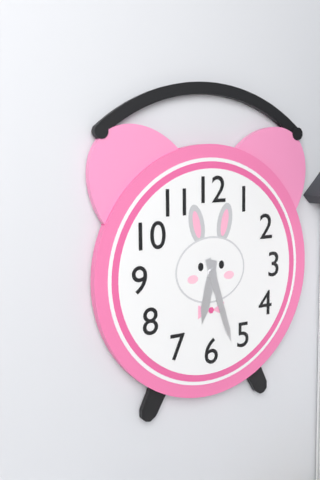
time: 6:27
